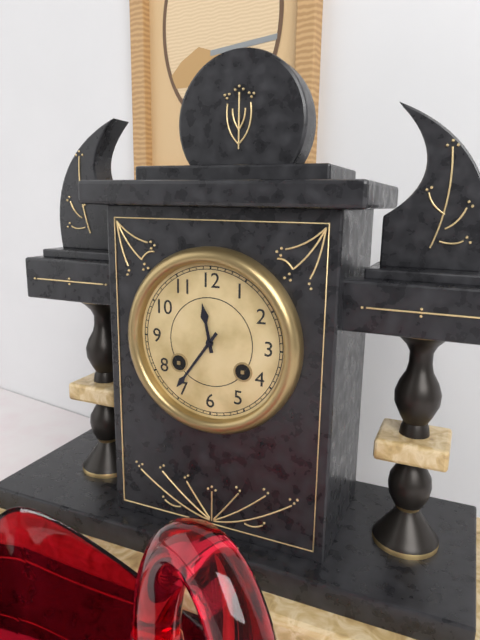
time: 11:36
